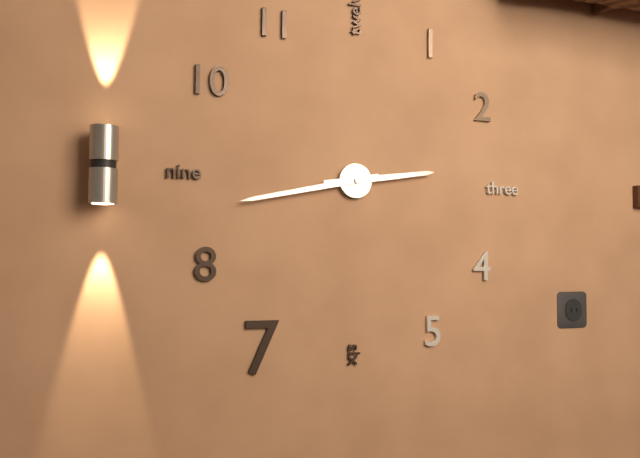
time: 2:43
